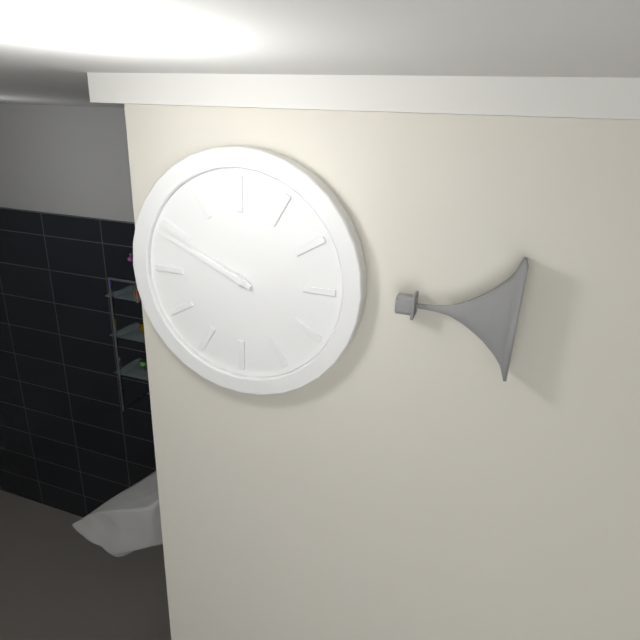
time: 9:49
